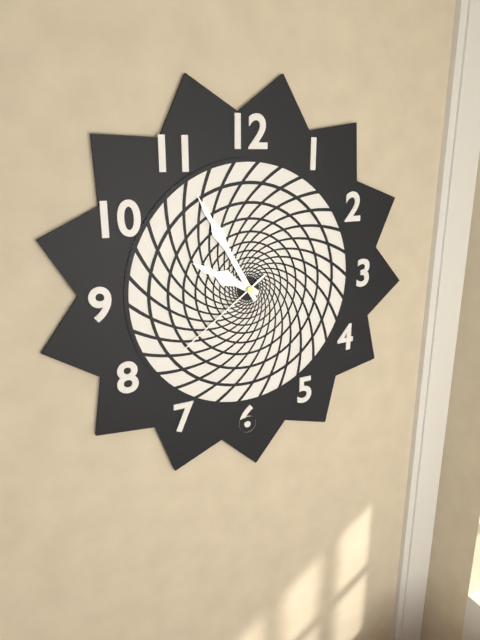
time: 9:55:39
